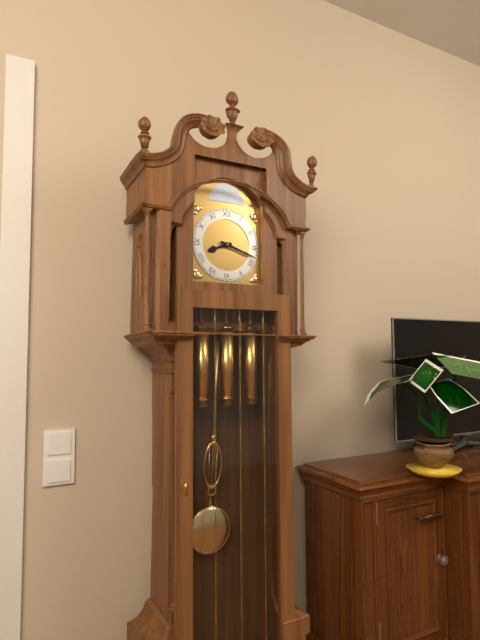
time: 8:18
